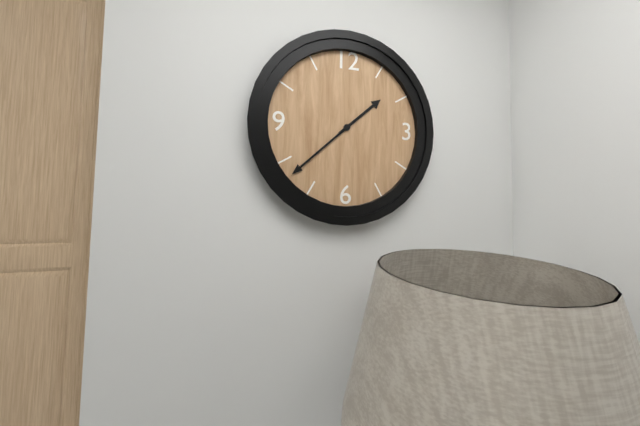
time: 1:38
